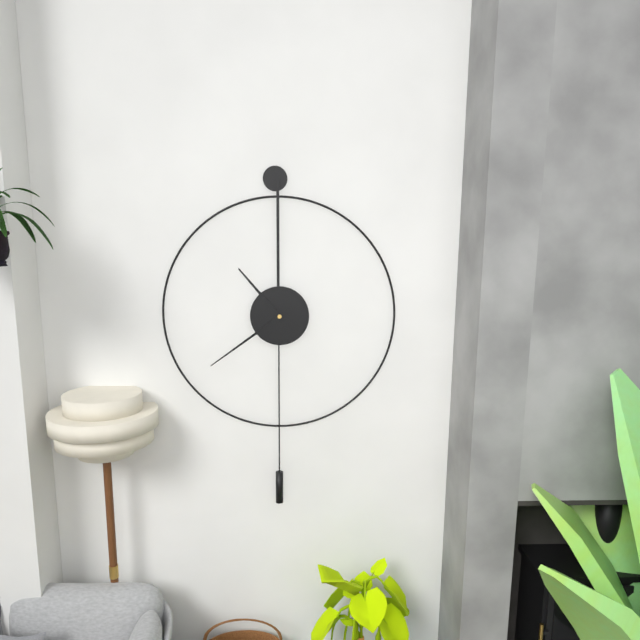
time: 10:39
